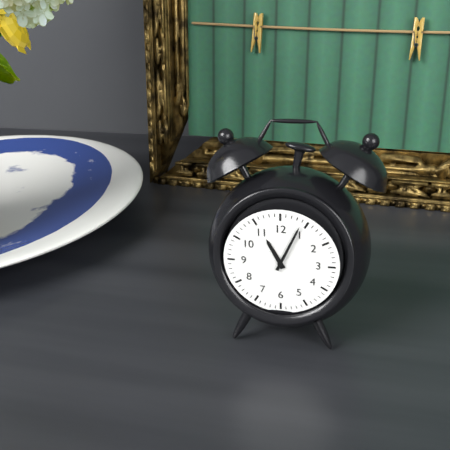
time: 11:04
